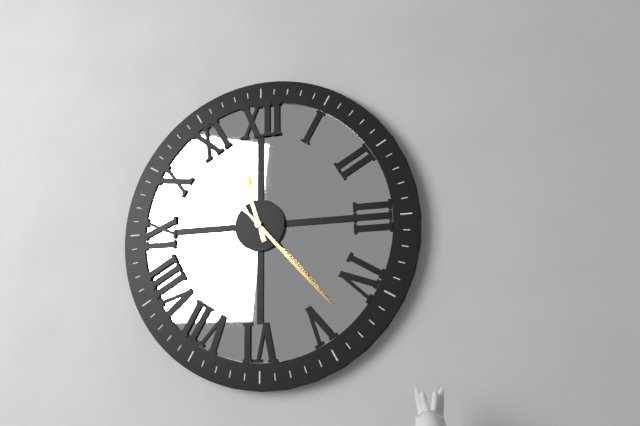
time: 11:23
